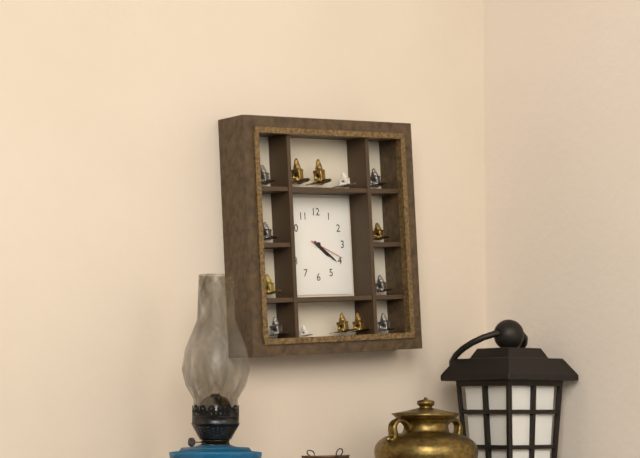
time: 4:21
